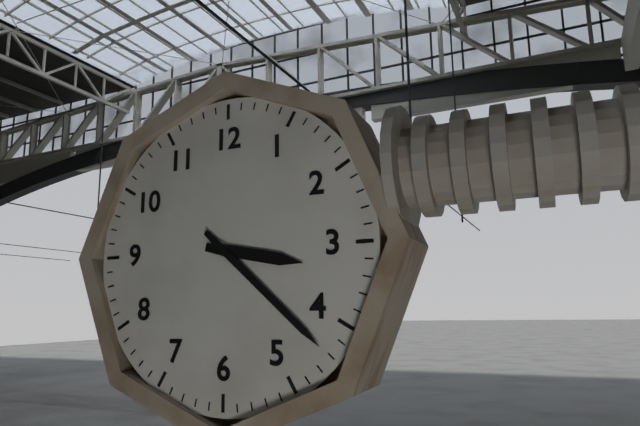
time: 3:22
